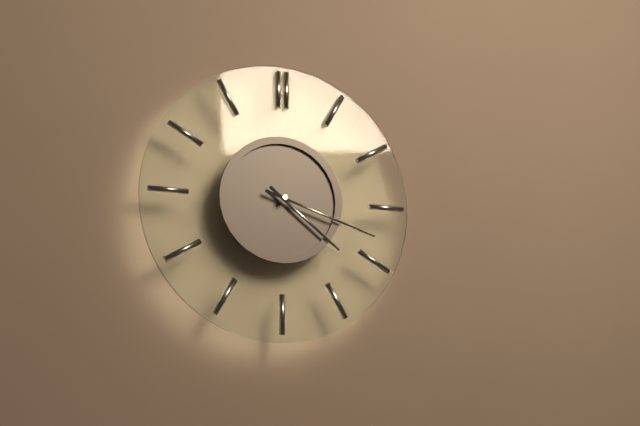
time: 4:18
